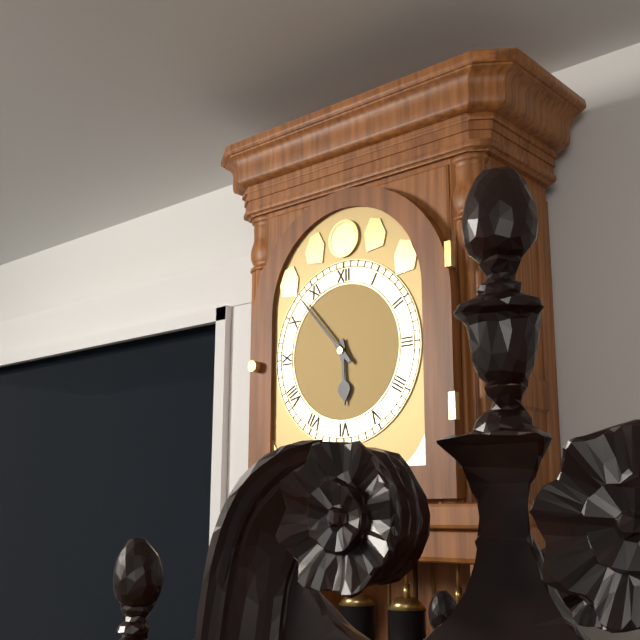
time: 5:53
